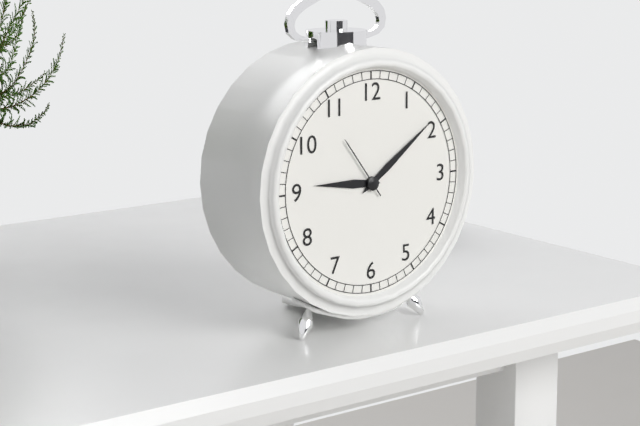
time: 9:09:54
